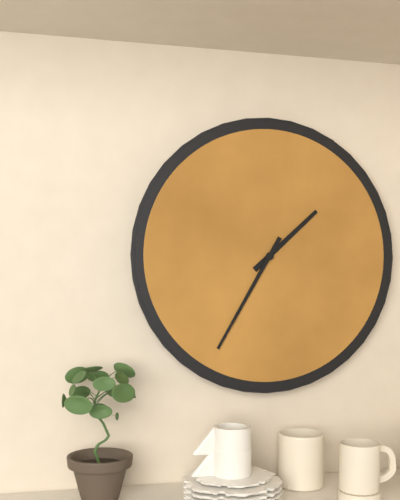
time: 1:35
